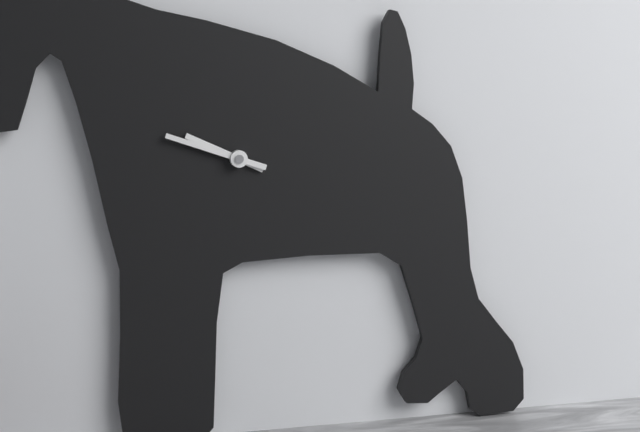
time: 9:48
